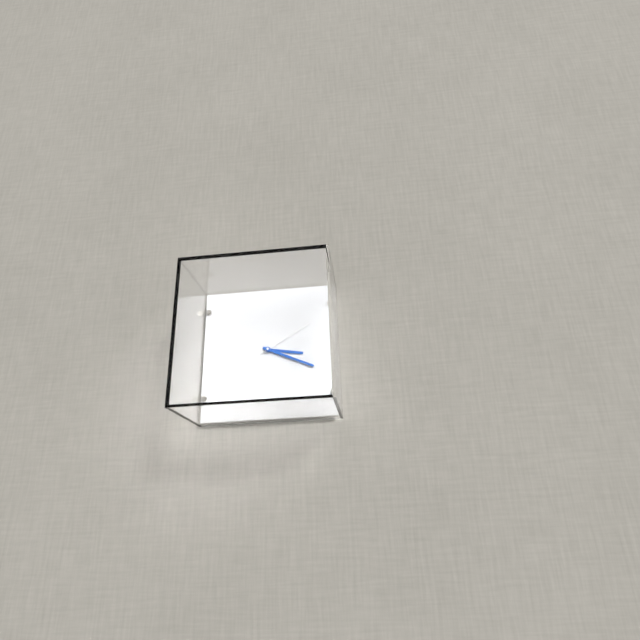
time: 3:19:10
